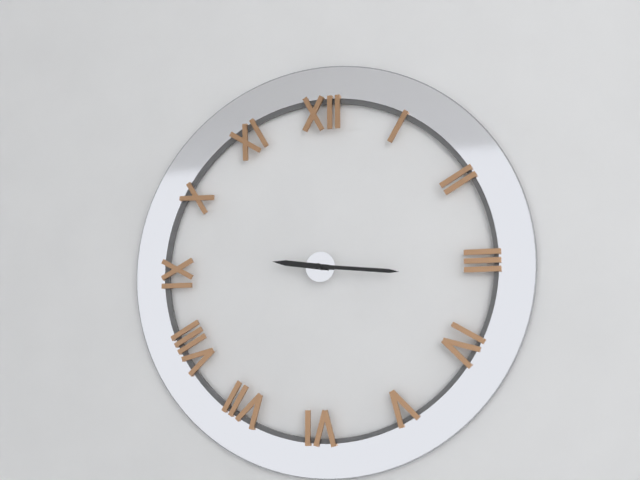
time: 9:16
